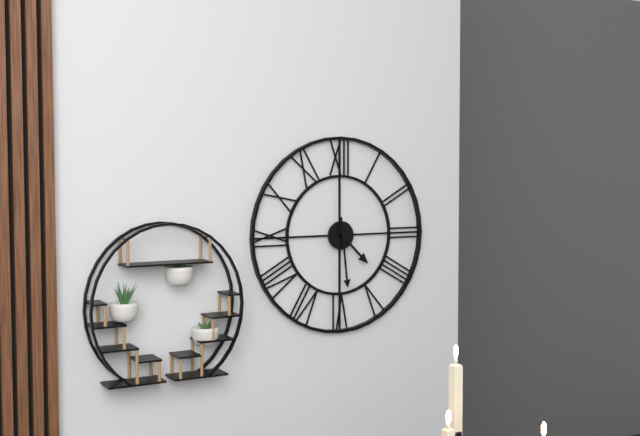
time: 4:29
